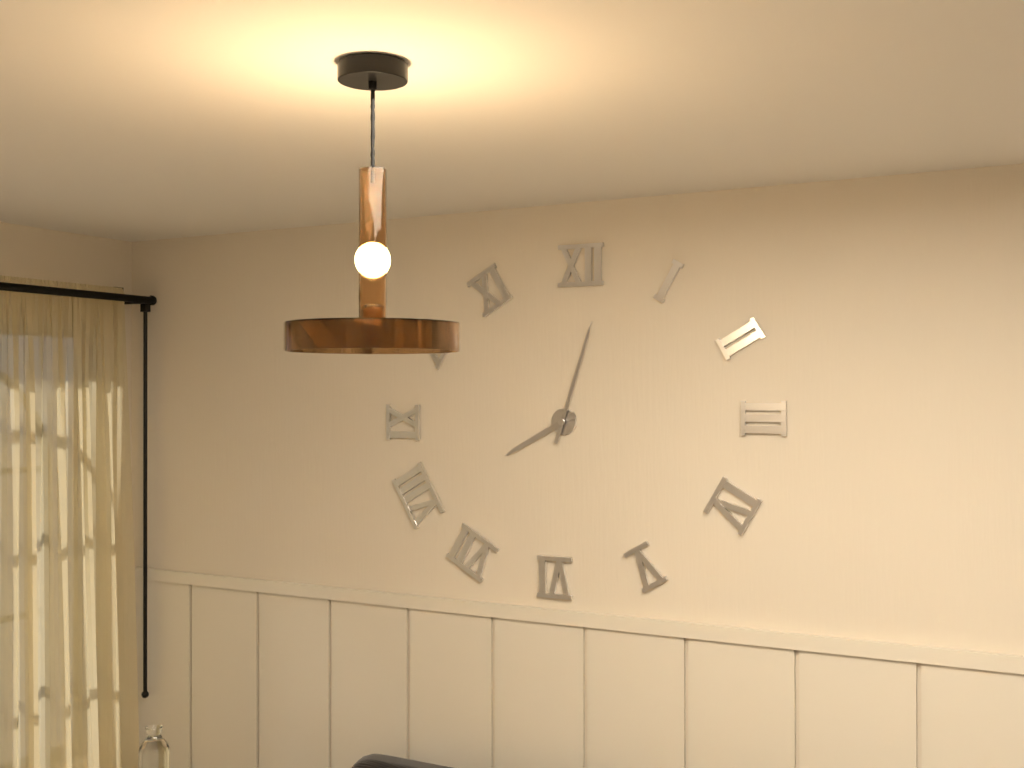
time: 8:03
